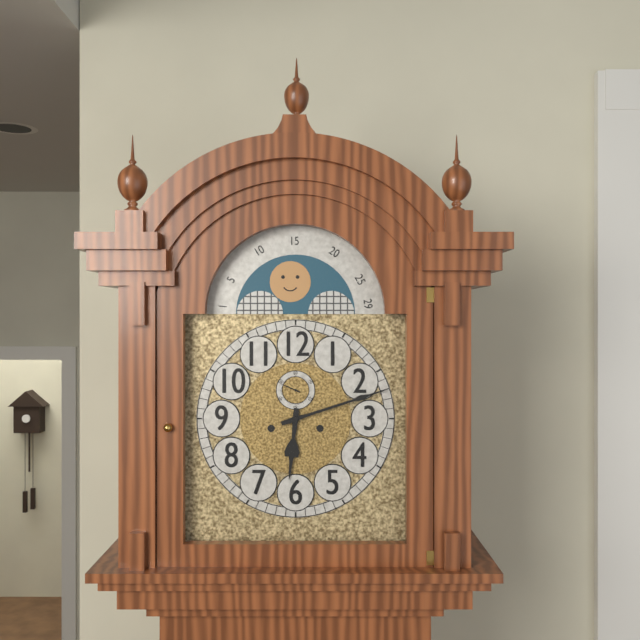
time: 6:12
